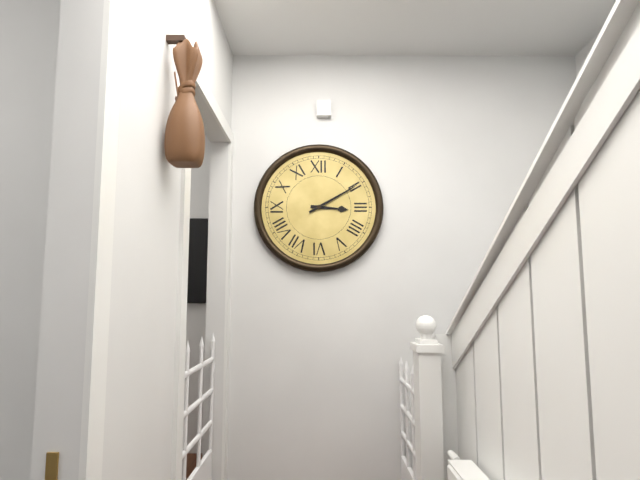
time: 3:10
